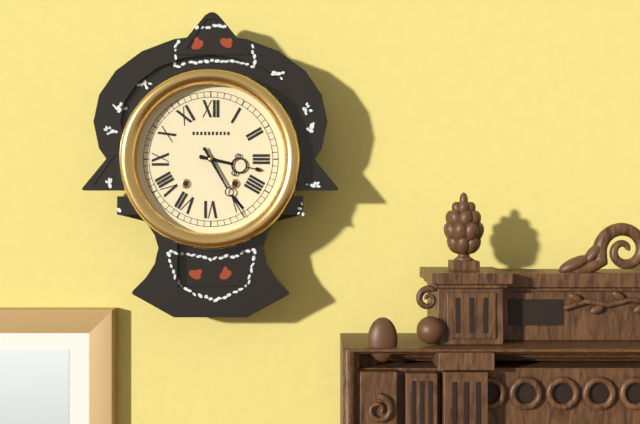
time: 3:25
